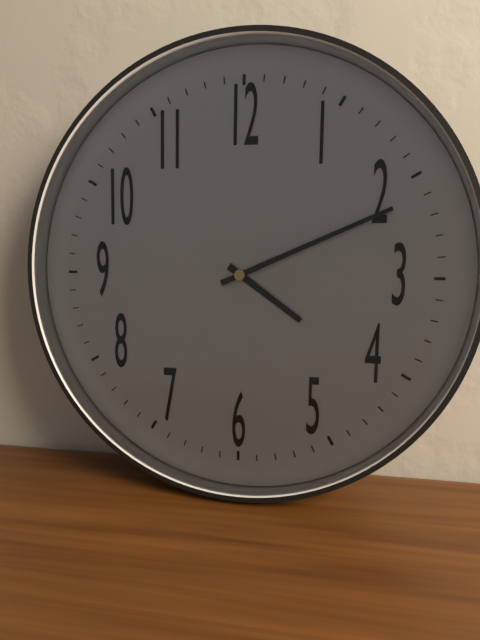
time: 4:11
